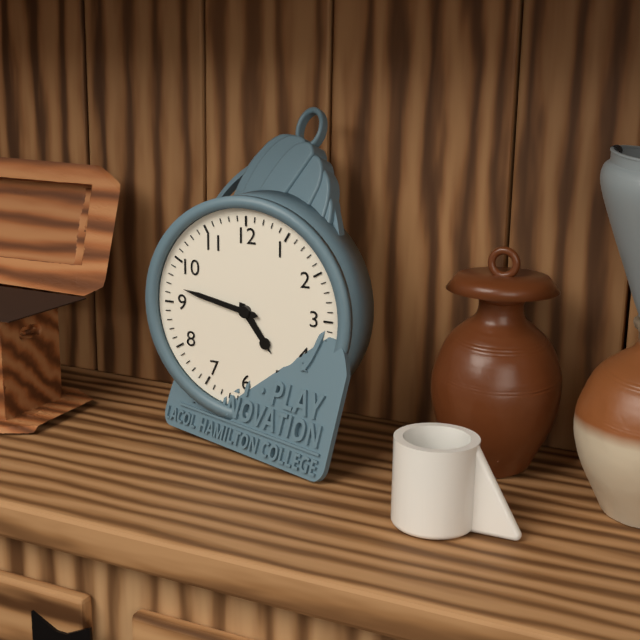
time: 4:47
